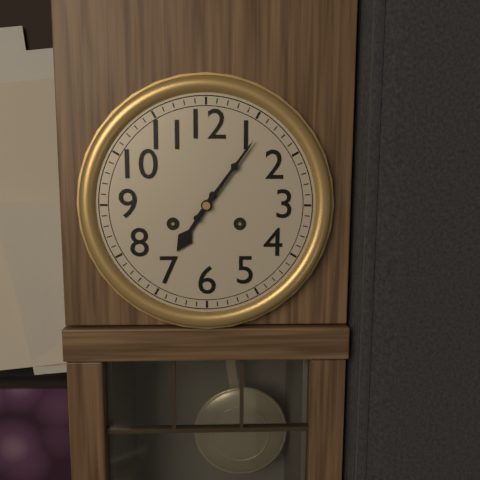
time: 7:06
